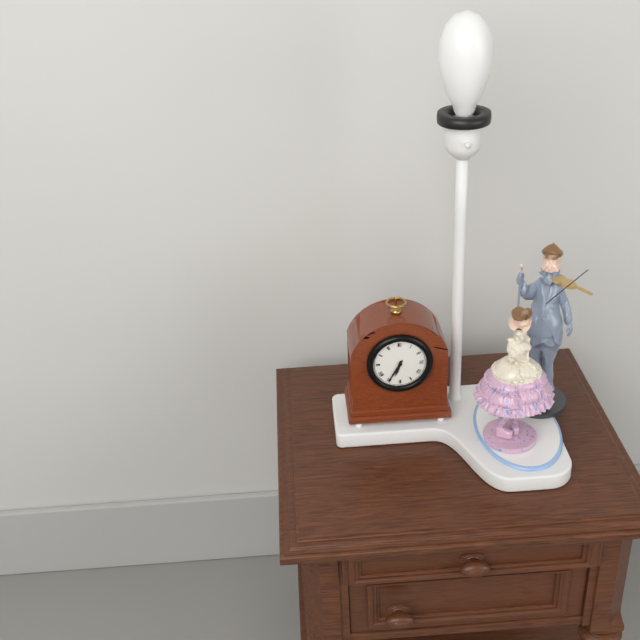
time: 6:35
